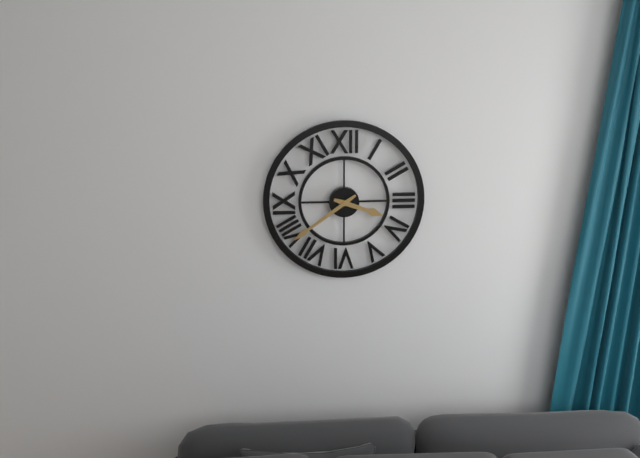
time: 3:39
